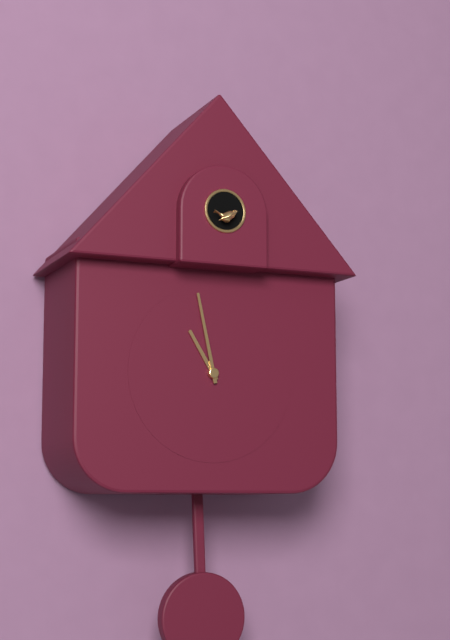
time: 10:58
